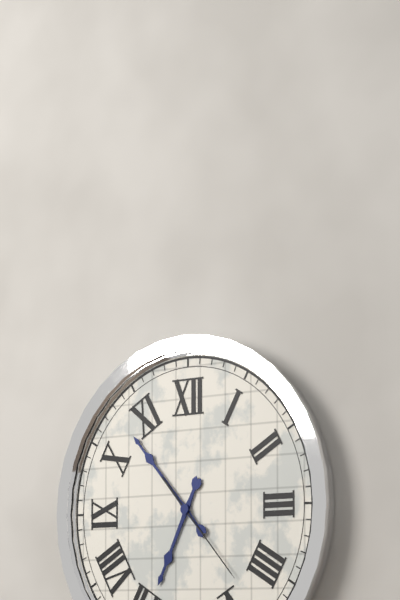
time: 6:53:23
